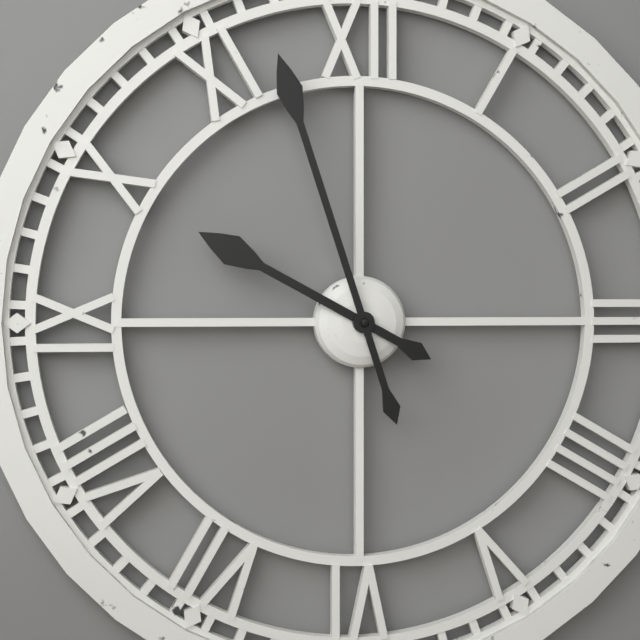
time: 9:57
